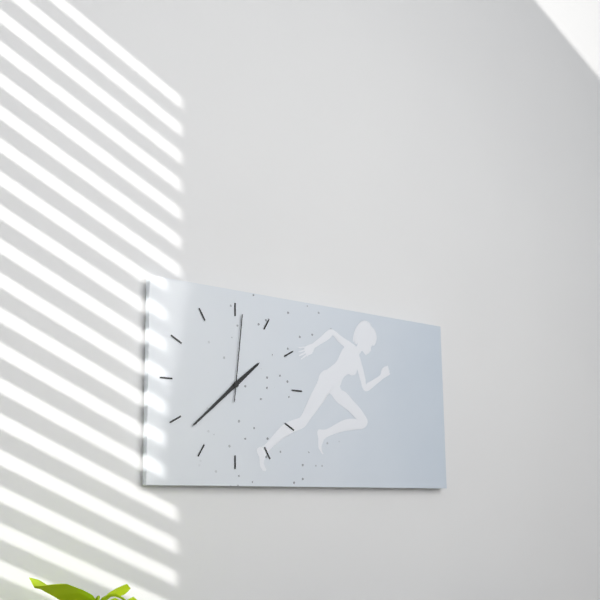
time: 1:38:01
